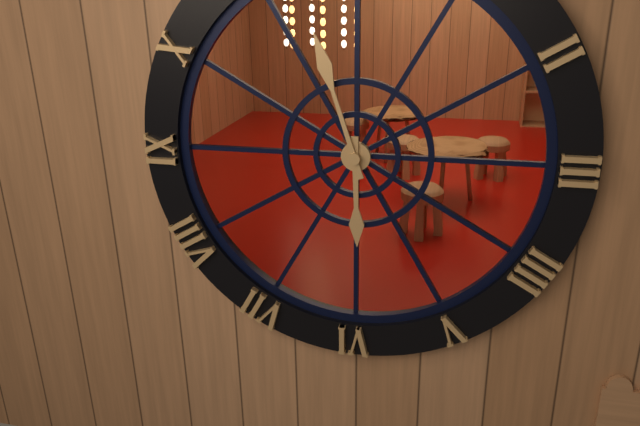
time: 5:57
